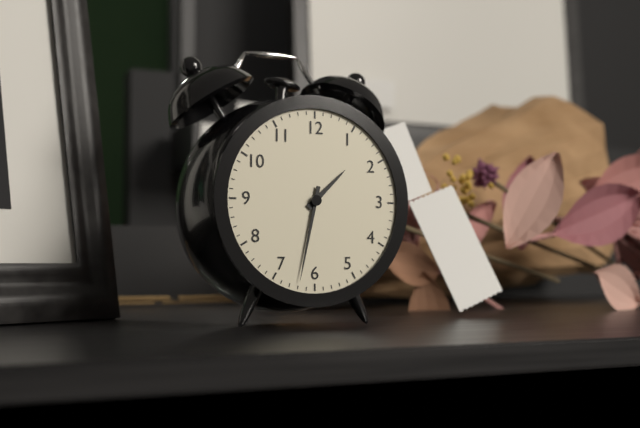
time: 1:32
